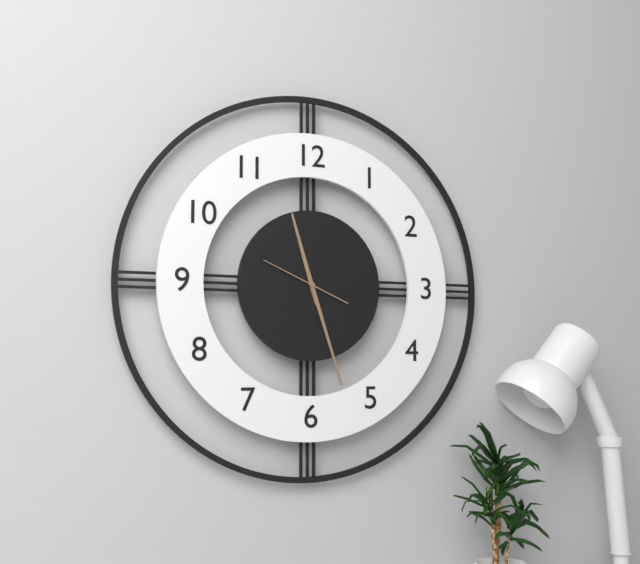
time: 11:27:49
